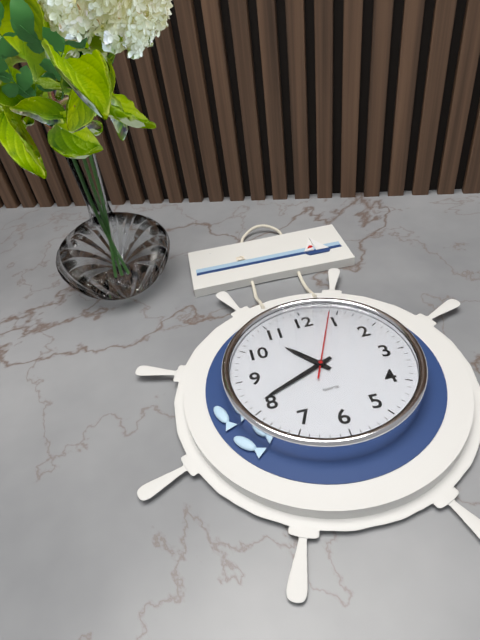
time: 10:41:04
